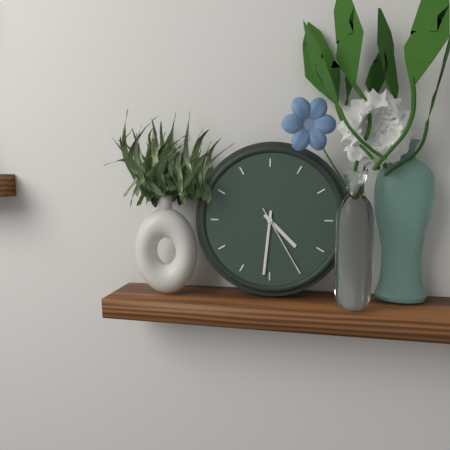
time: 4:31:25
